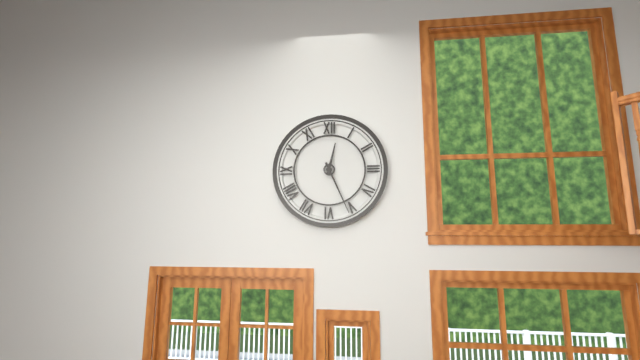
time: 12:26
